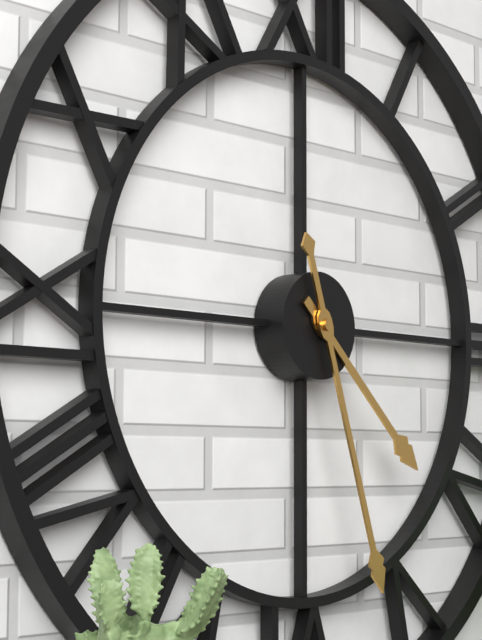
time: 4:27
